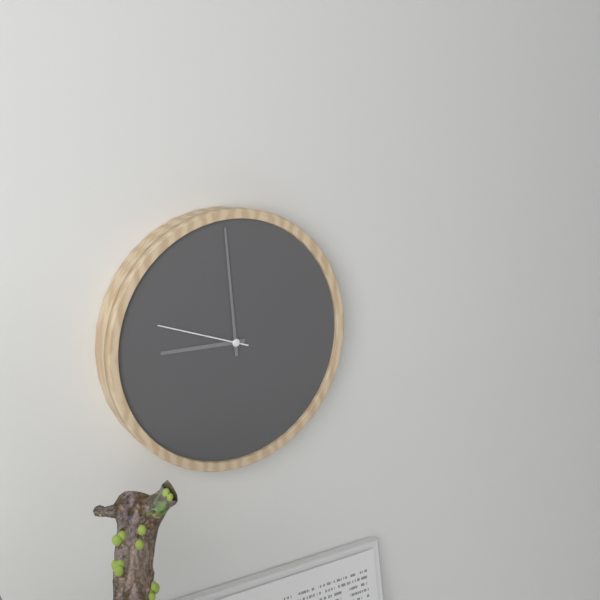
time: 8:59:48
